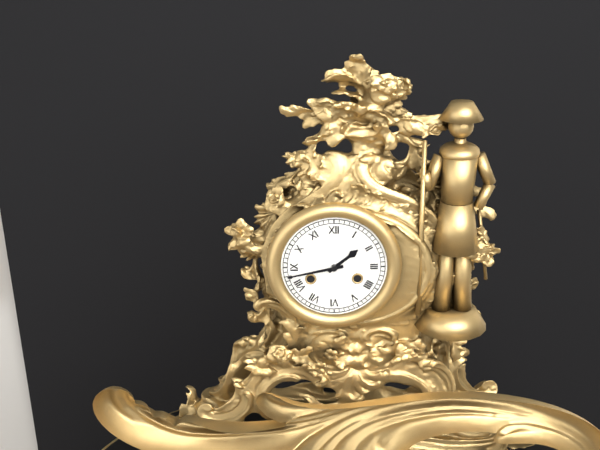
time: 1:43
